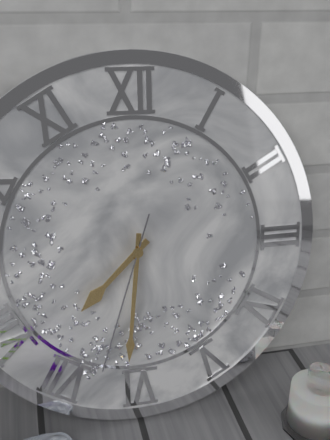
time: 7:31:33
